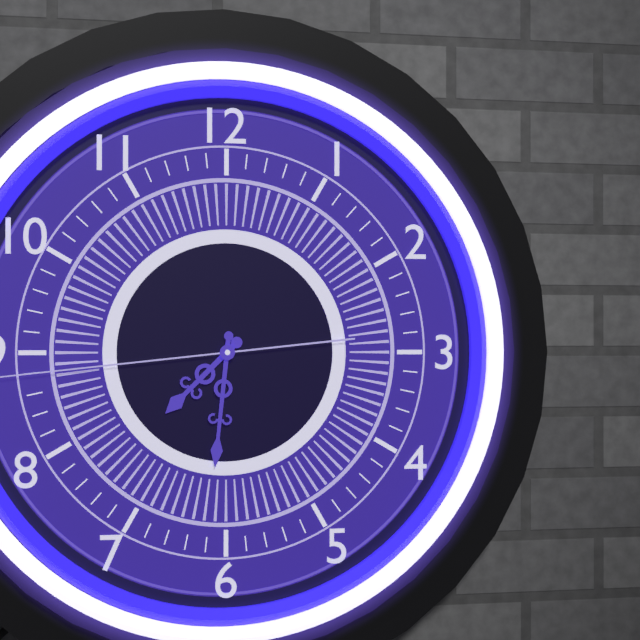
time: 7:31
